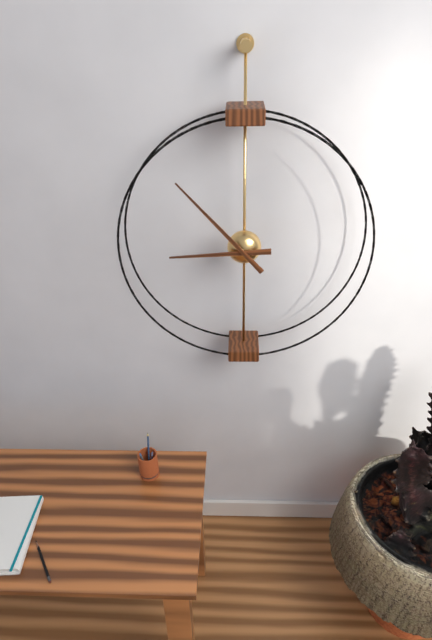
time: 8:53
